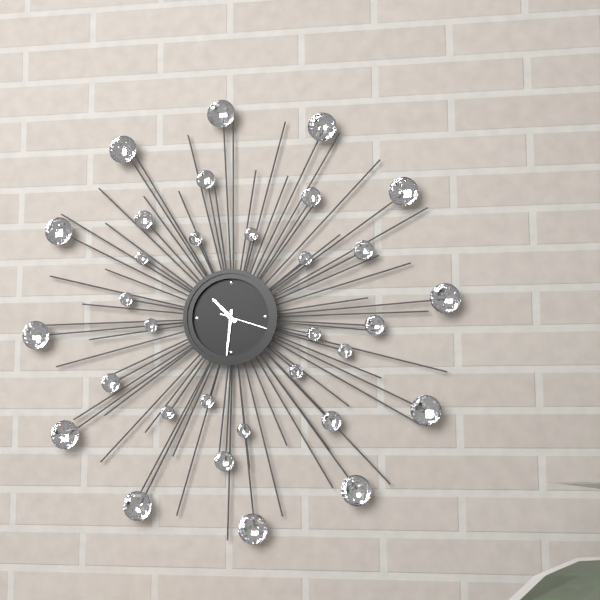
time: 10:31:18
